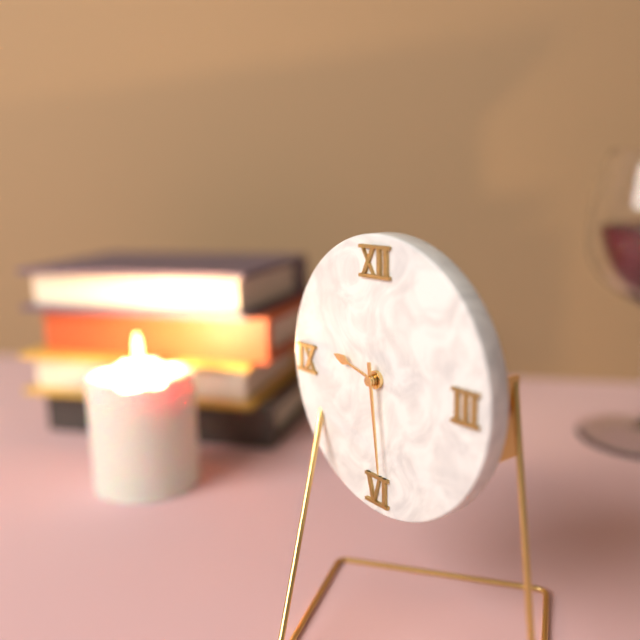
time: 9:29
